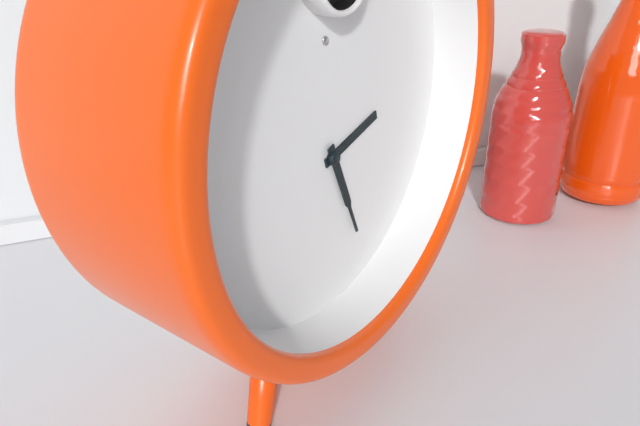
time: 2:26
